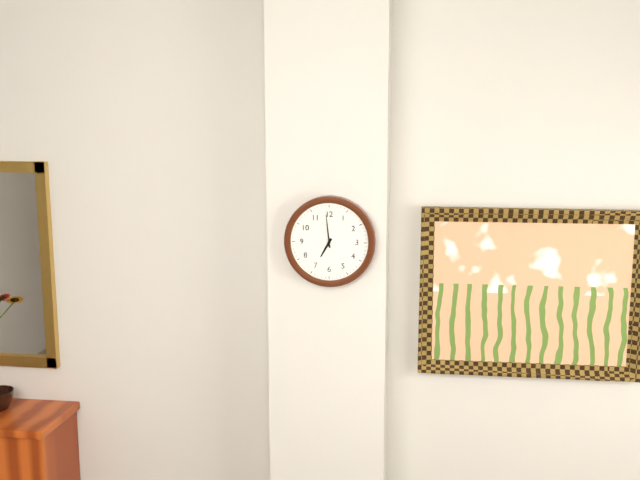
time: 6:59
